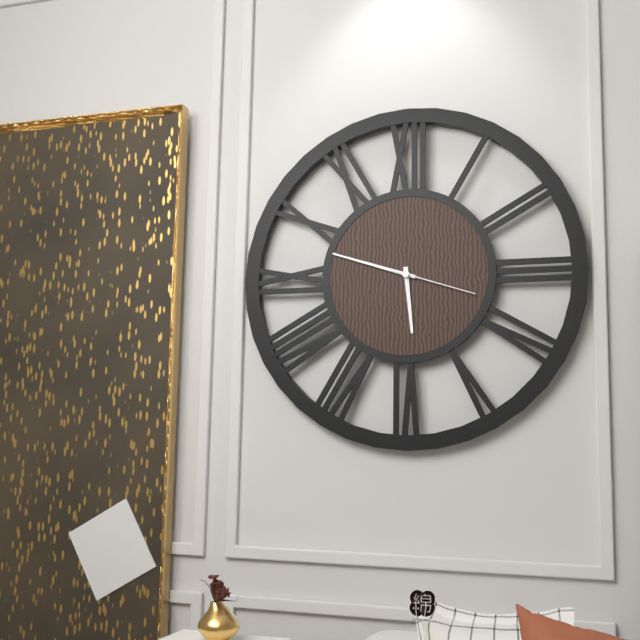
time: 5:48:18
